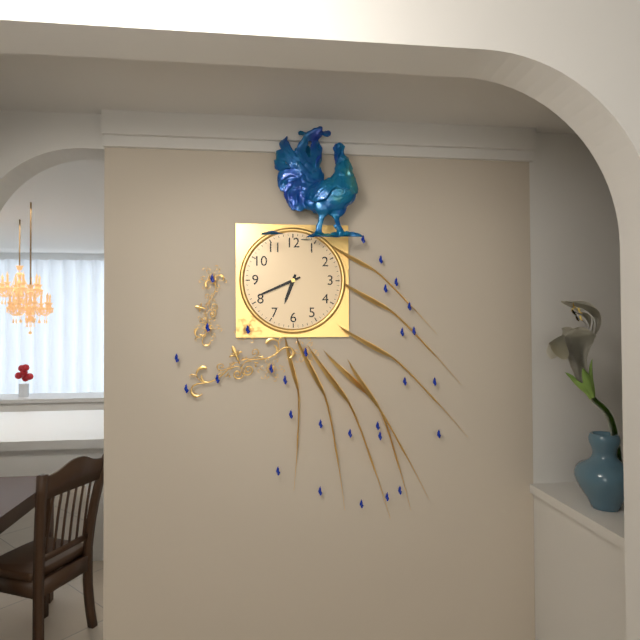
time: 6:41
